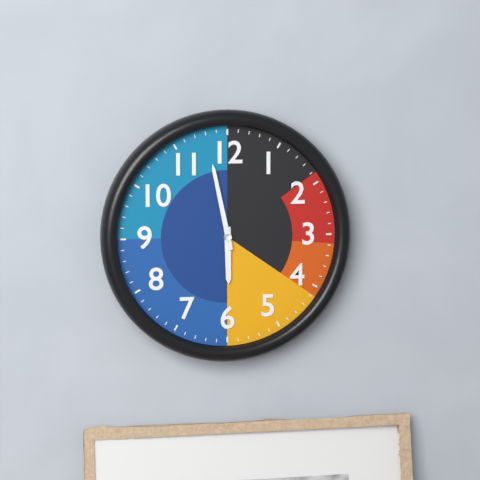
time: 5:58
